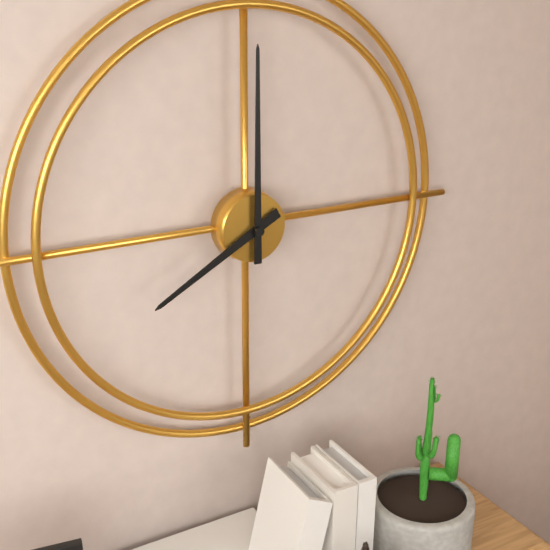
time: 8:00
